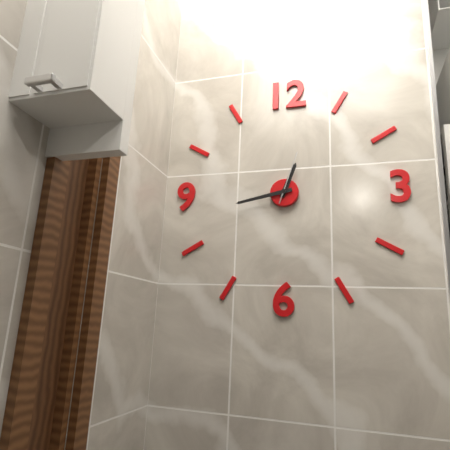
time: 12:43:03
